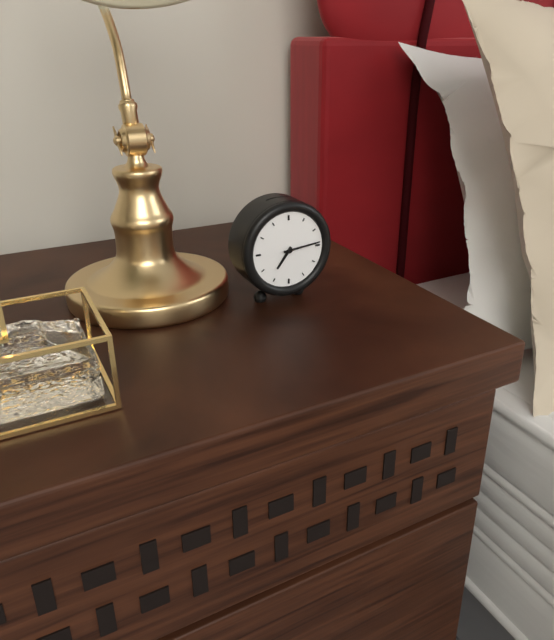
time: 7:14
